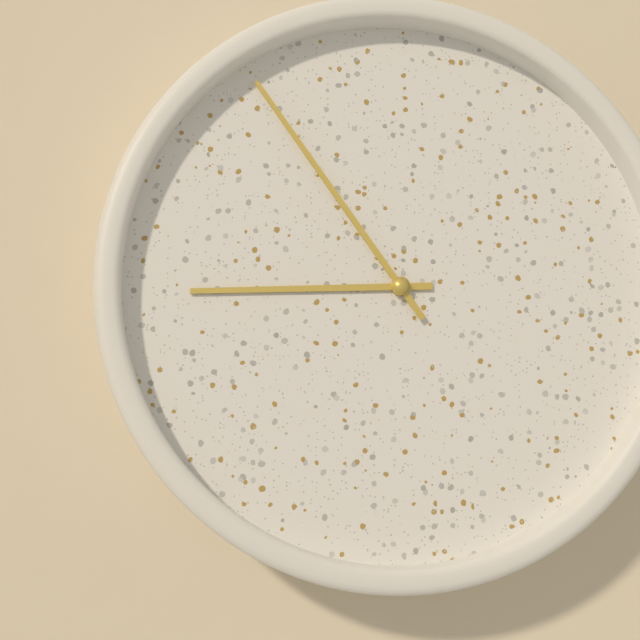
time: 8:54
